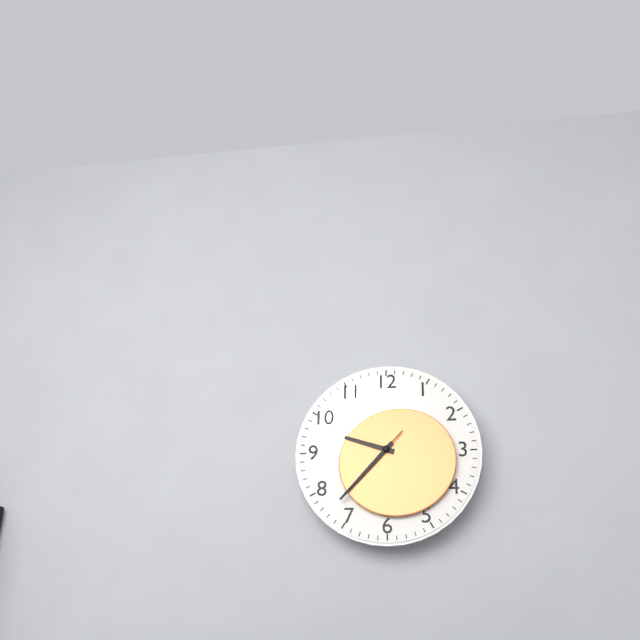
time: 9:37:37
